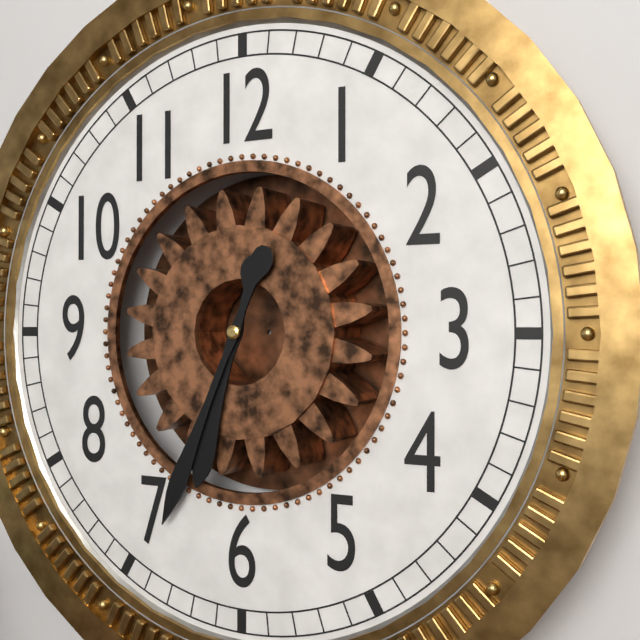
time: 6:34
